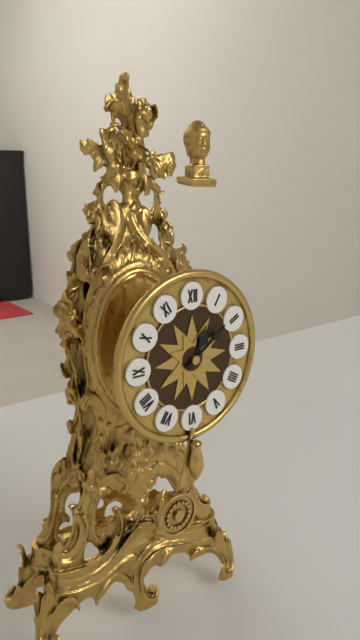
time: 1:09
